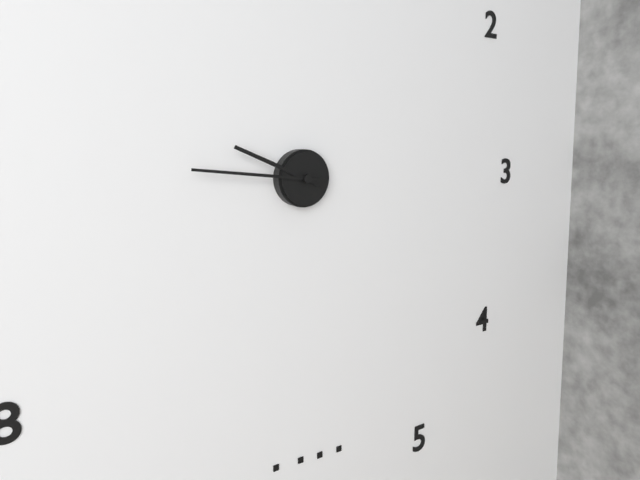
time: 9:46
